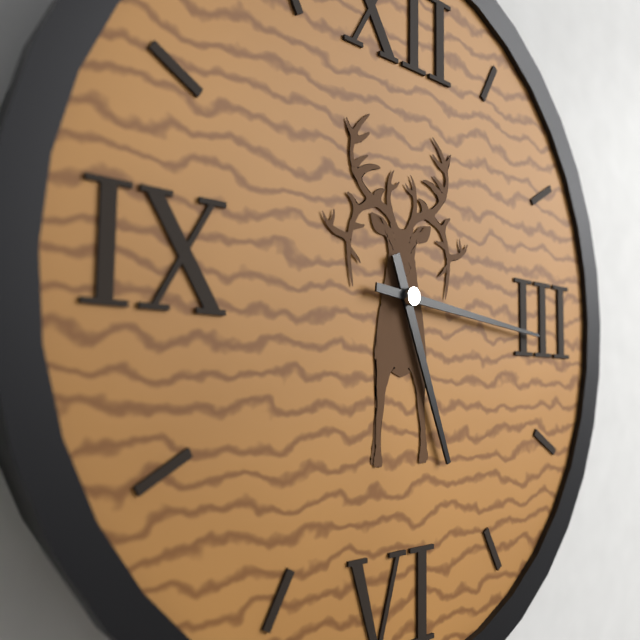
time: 5:16
